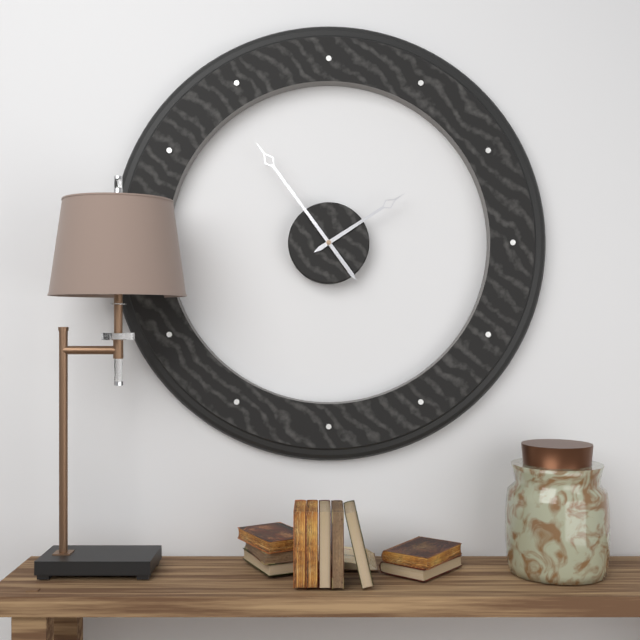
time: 1:54
